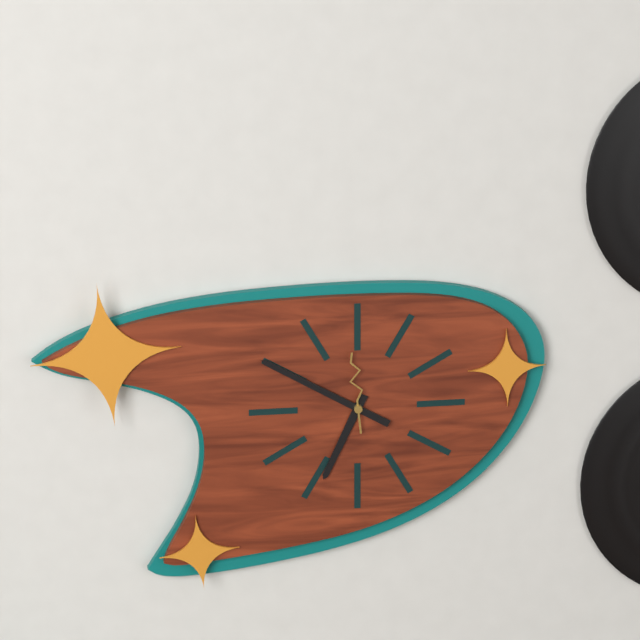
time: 6:50:59
